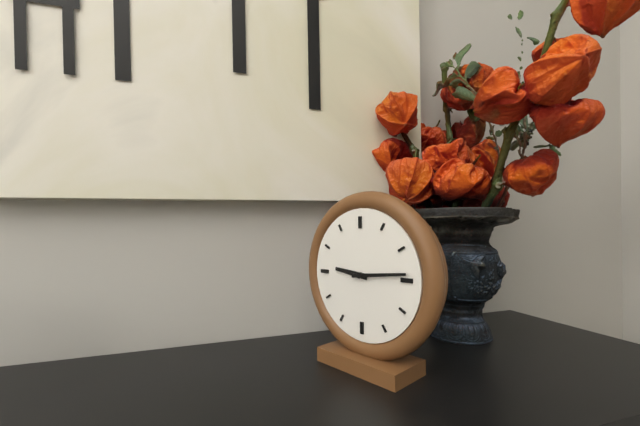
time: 9:14
